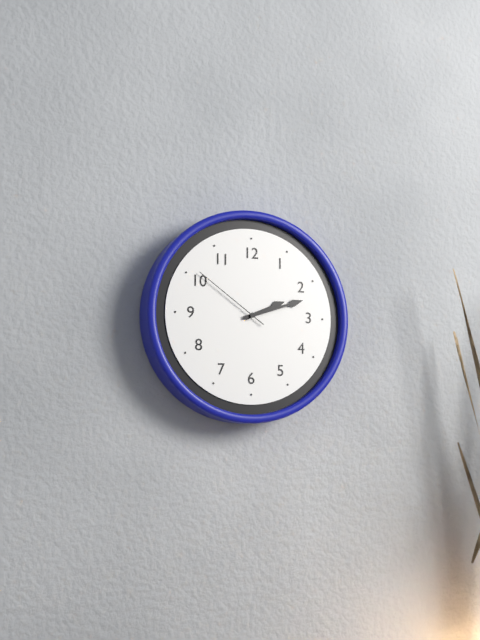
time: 2:12:51
